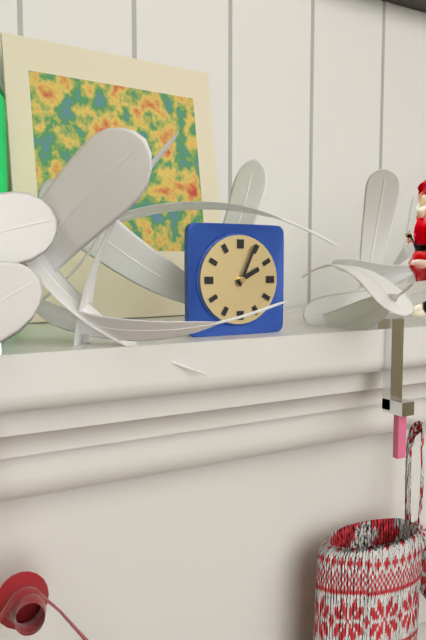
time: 2:04
